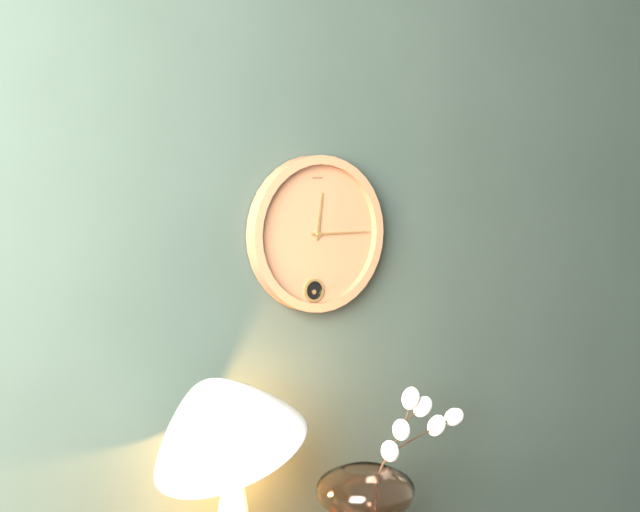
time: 12:15
